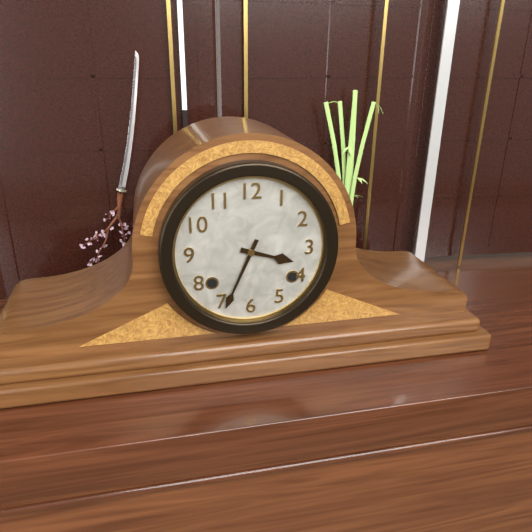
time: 3:34
